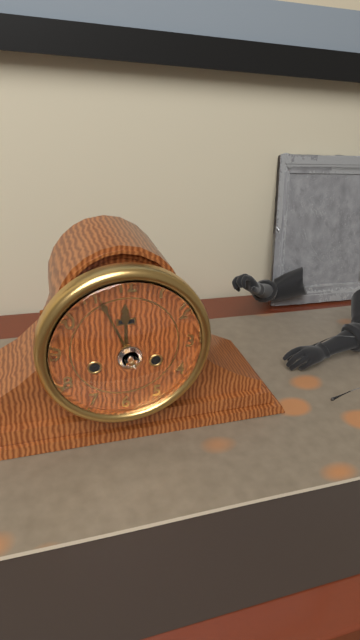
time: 11:56
